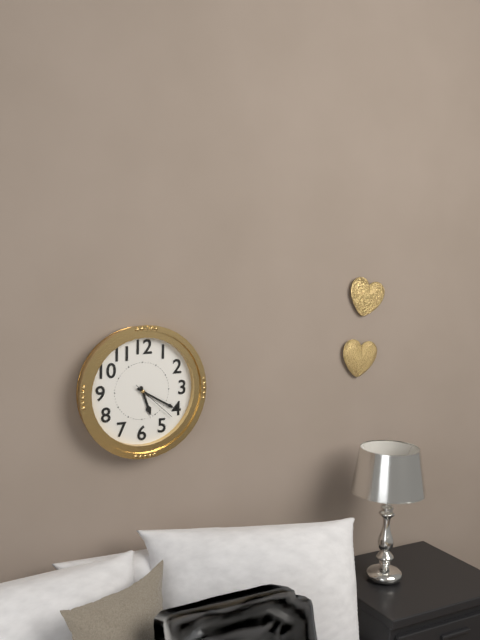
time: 5:20
